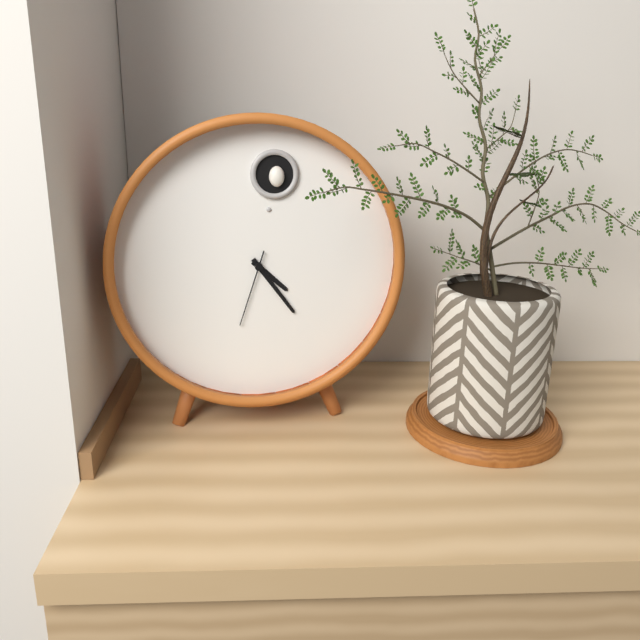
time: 4:24:33
